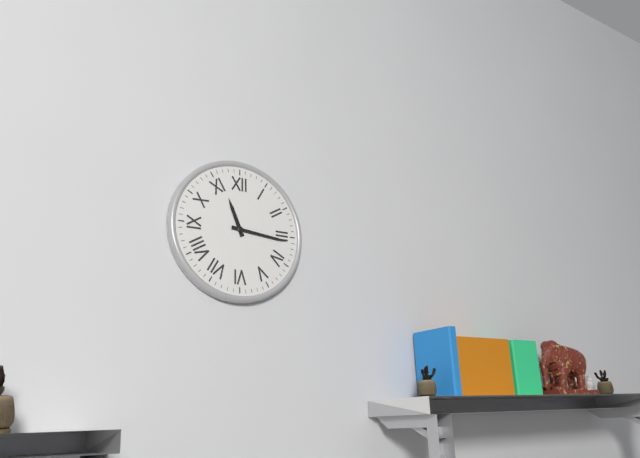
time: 11:16
